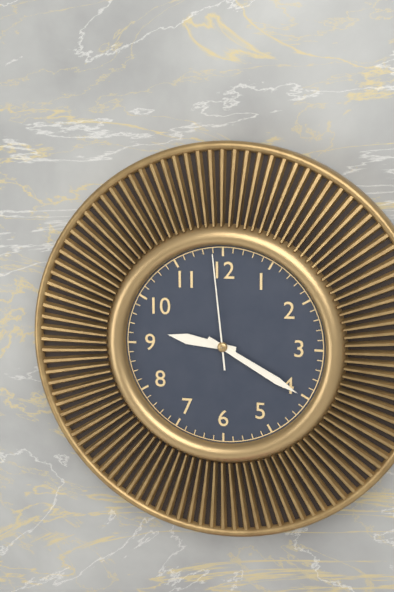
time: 9:20:59
